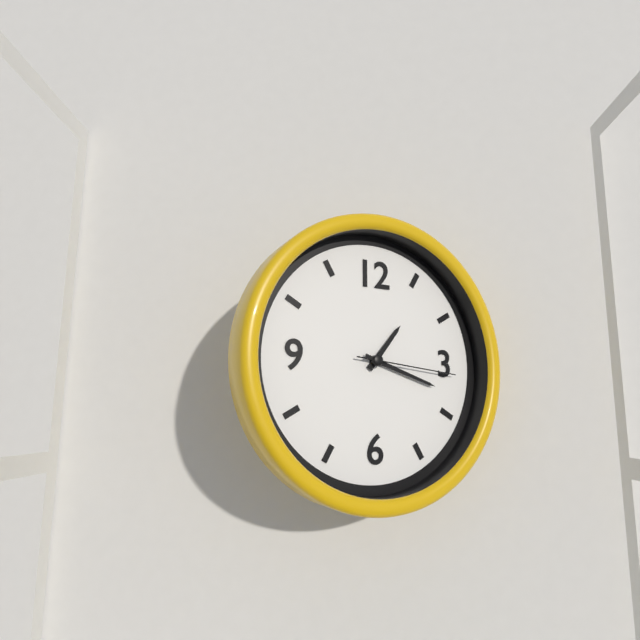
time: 1:18:16
